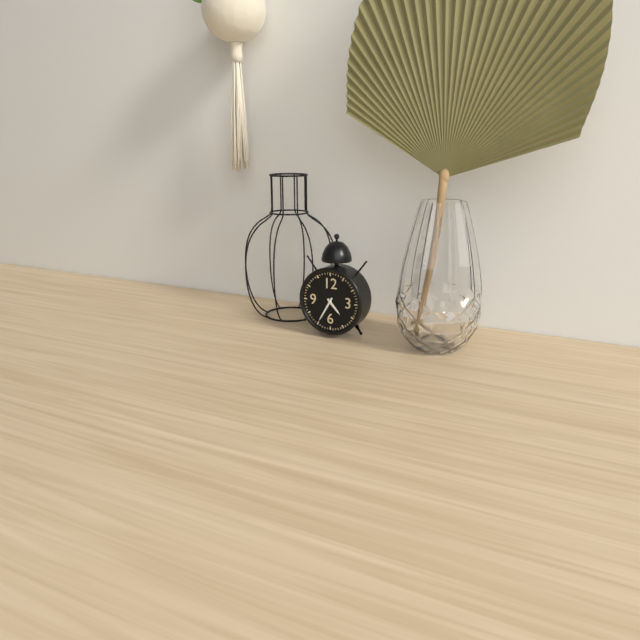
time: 4:35
